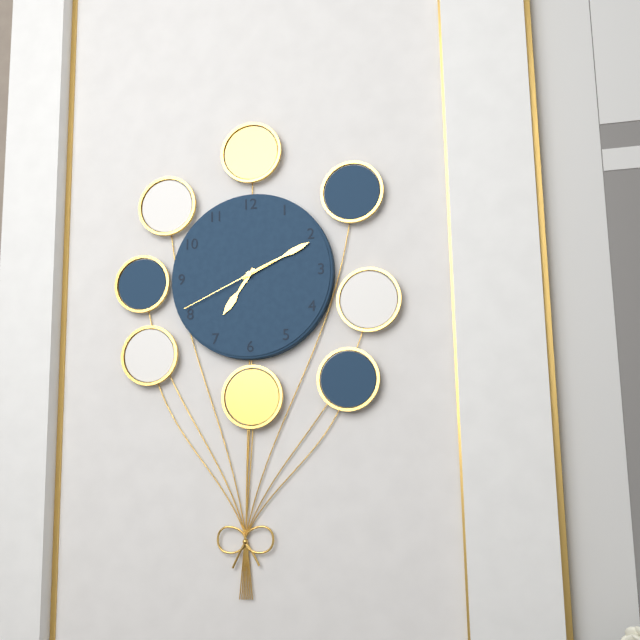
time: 7:11:41
